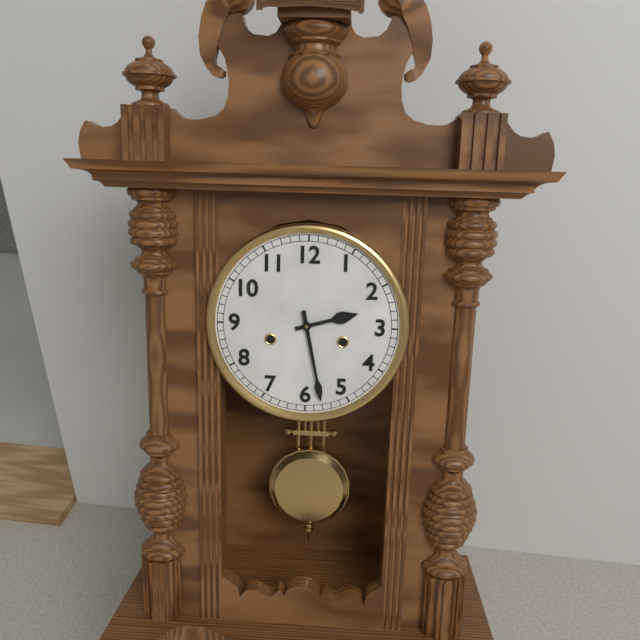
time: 2:28
